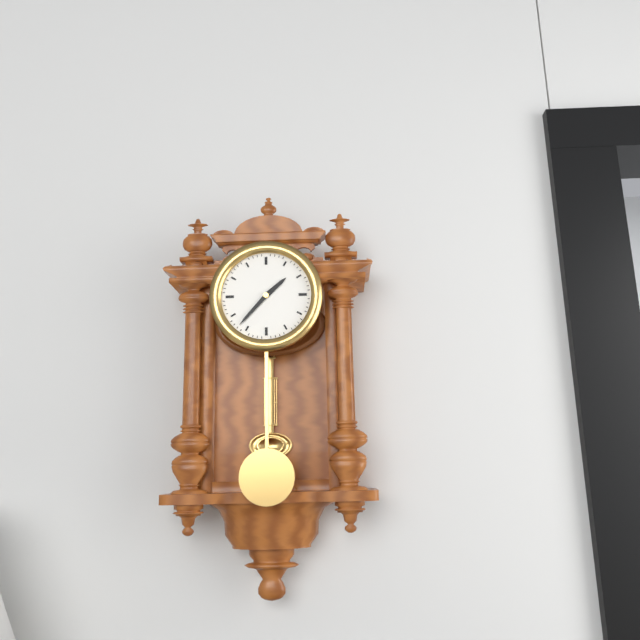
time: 1:37
